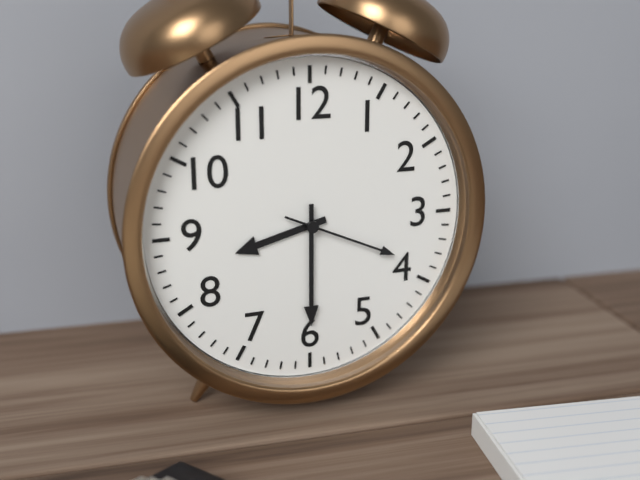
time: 8:30:19
